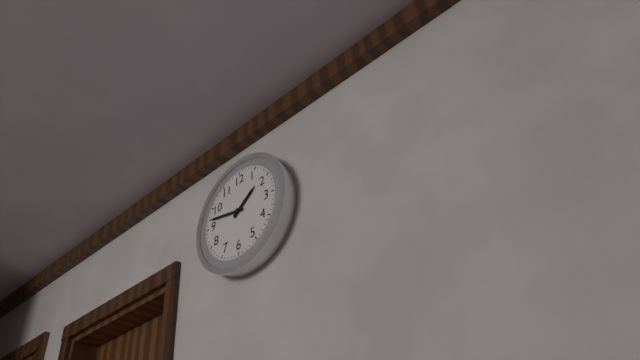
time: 1:47
